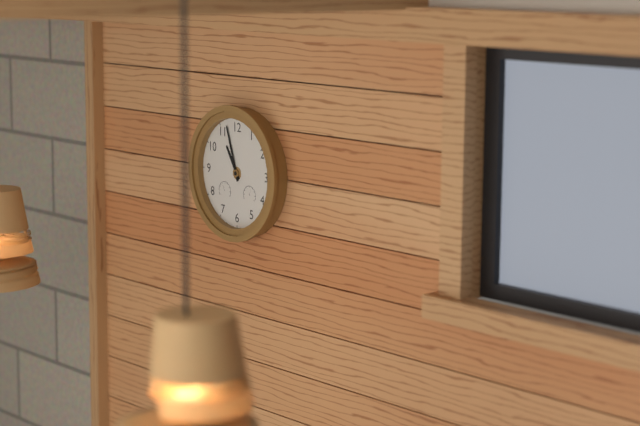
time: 10:57
